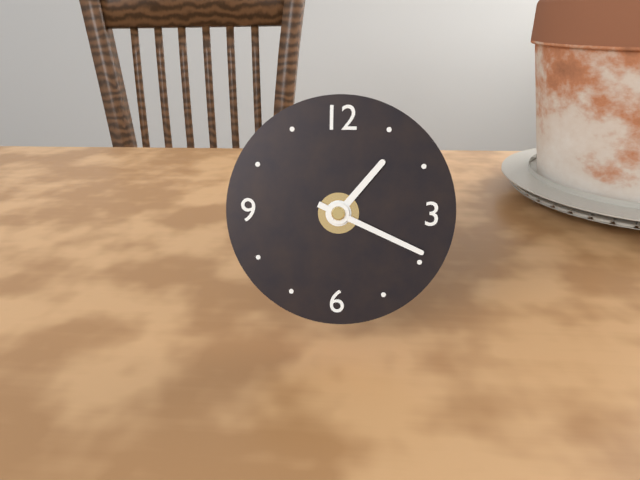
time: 1:19
